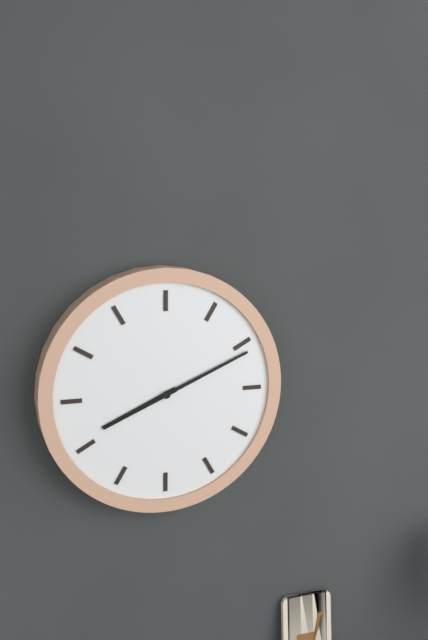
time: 8:11
